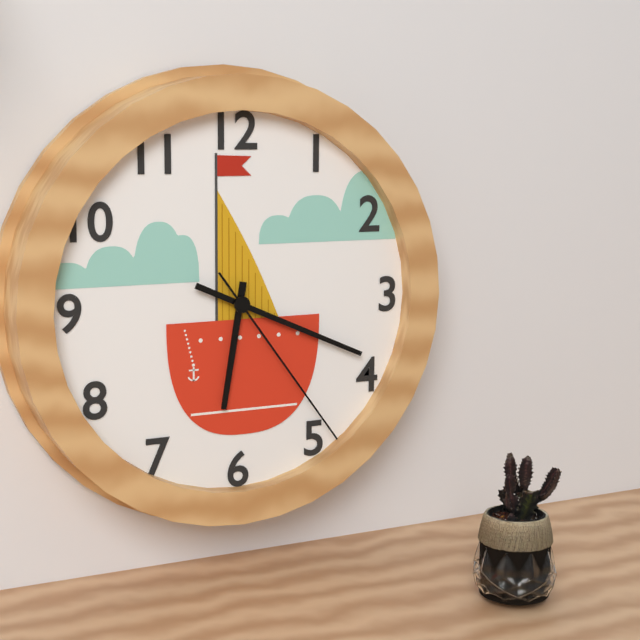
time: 6:19:24
